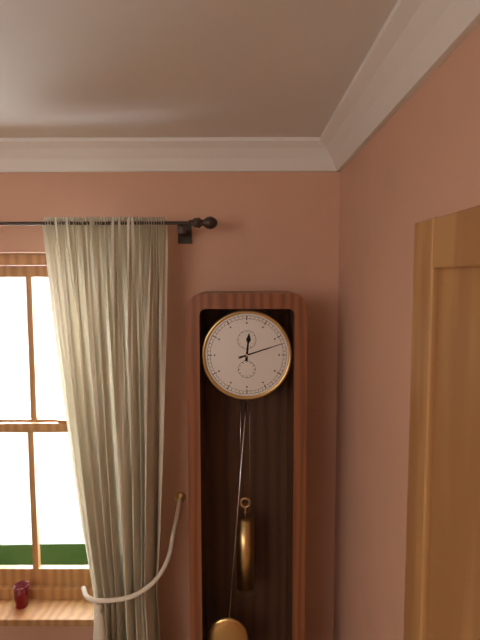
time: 12:12
